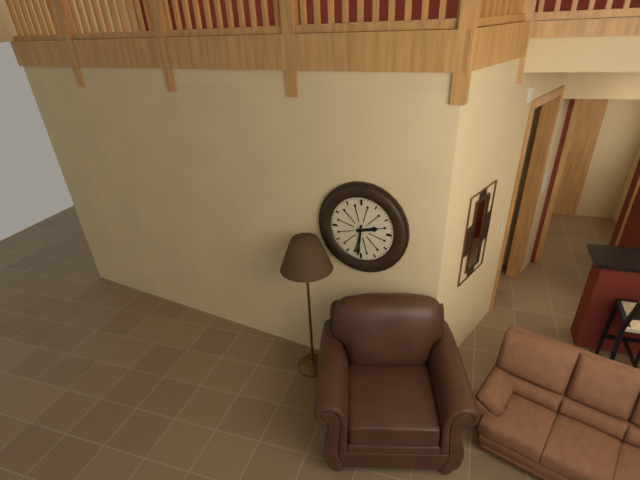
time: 2:31
